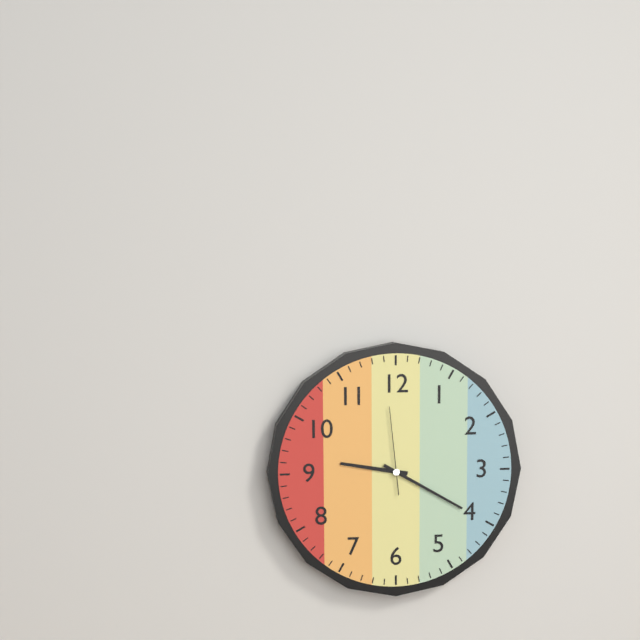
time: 9:20:59
